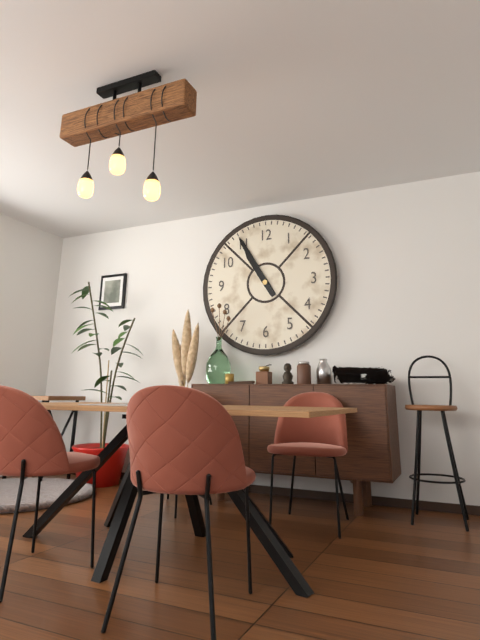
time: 10:55
